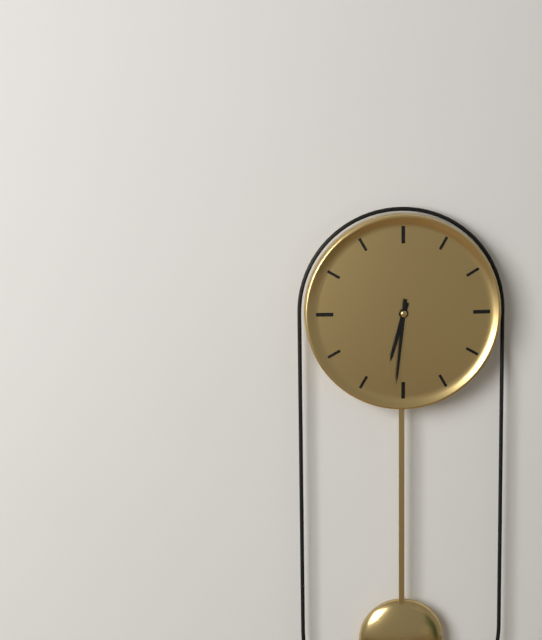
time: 6:31
